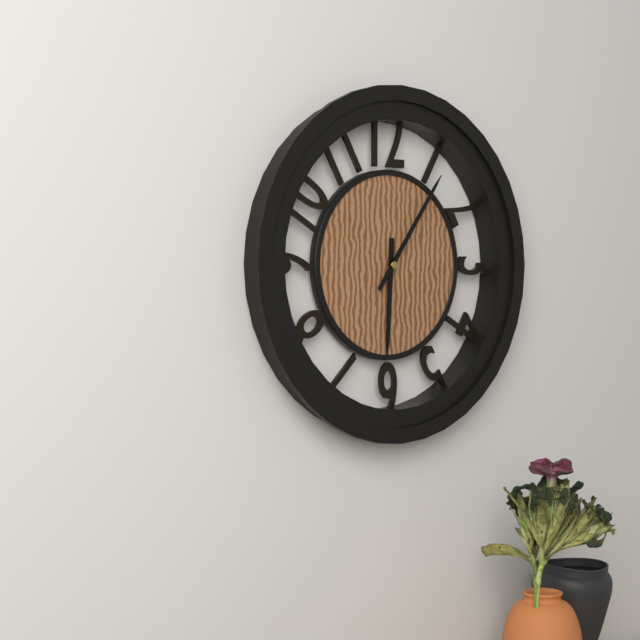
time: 6:06
